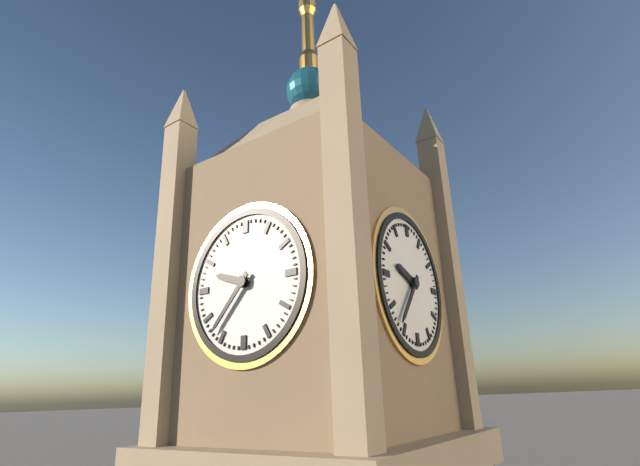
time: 9:37
